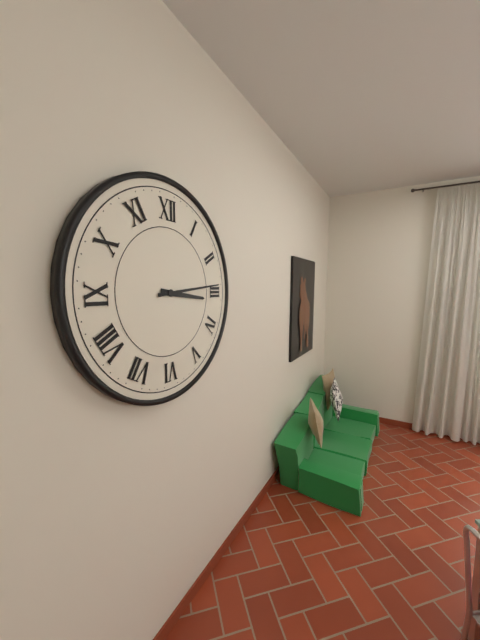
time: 3:14
